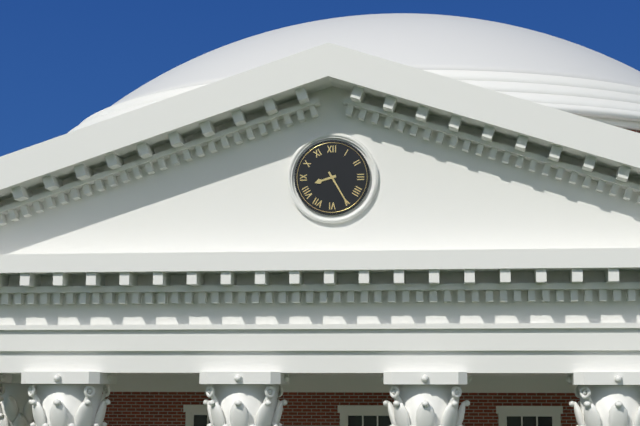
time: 8:25
